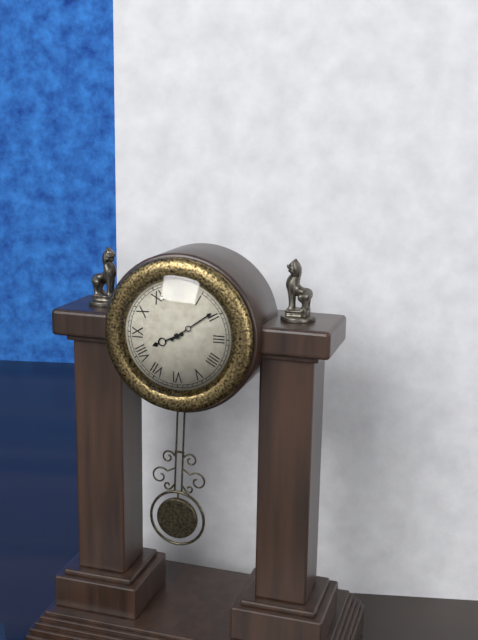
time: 8:09
